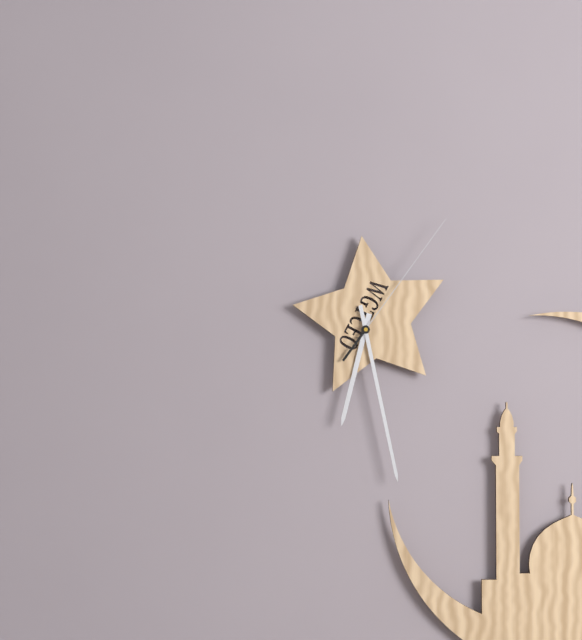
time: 6:28:06
